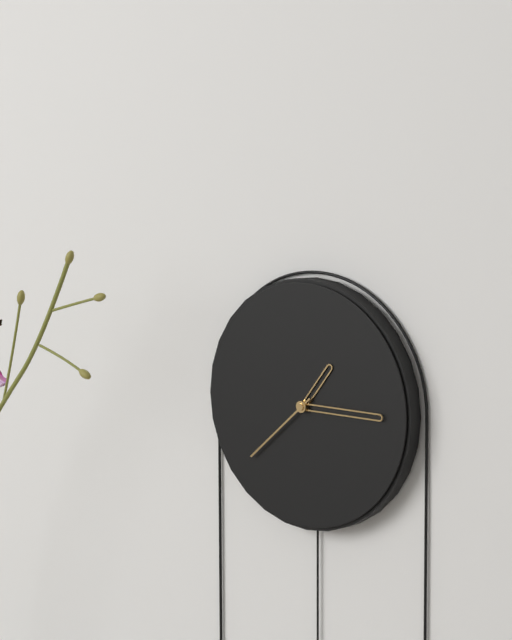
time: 1:15:38
